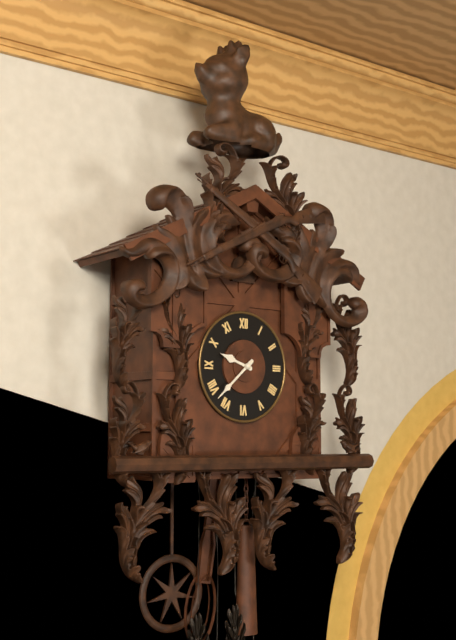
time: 9:38
